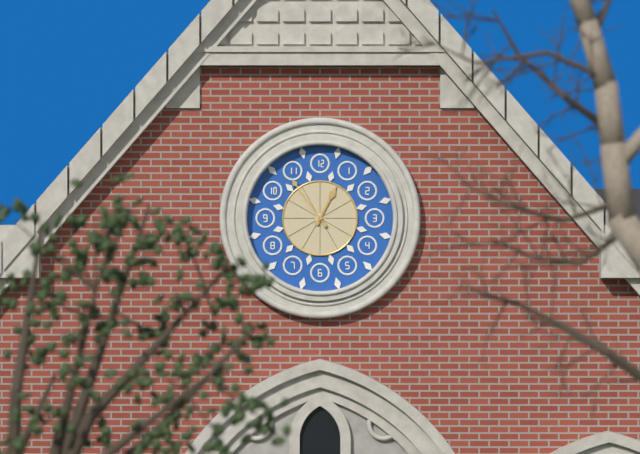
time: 12:54
